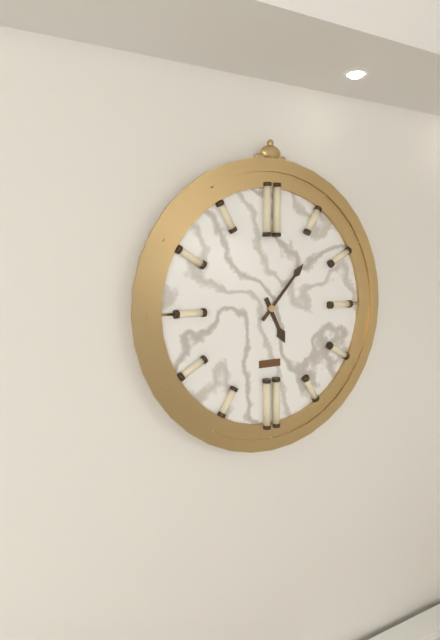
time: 5:07
